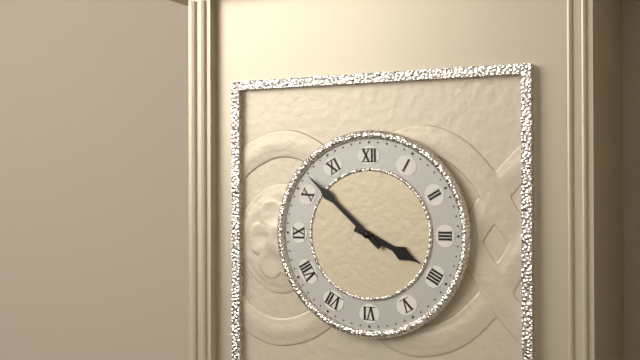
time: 3:52
